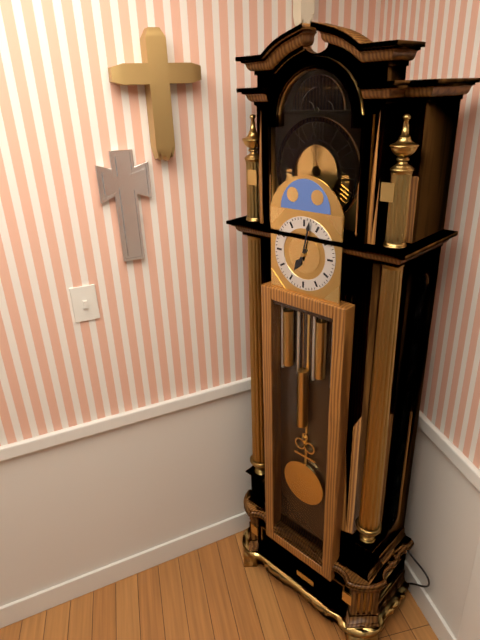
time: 7:02
